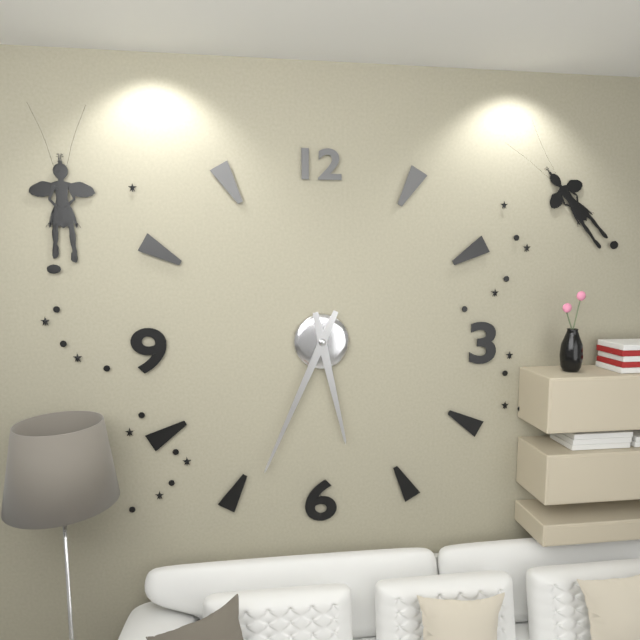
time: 5:34
